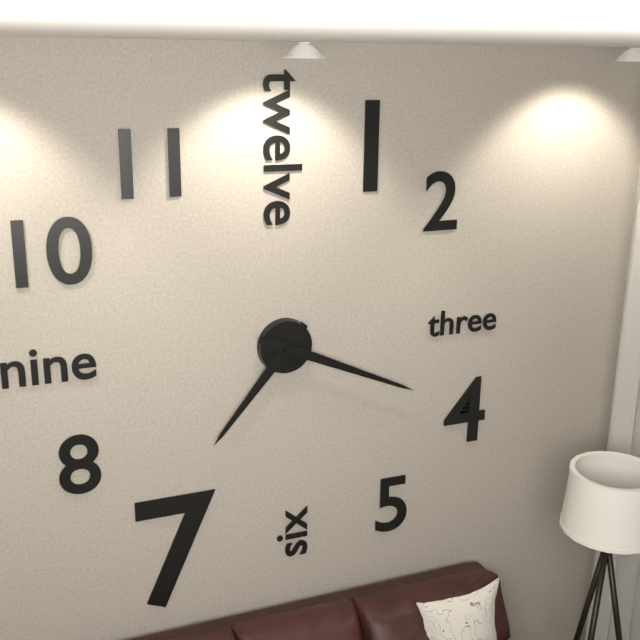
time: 7:19
